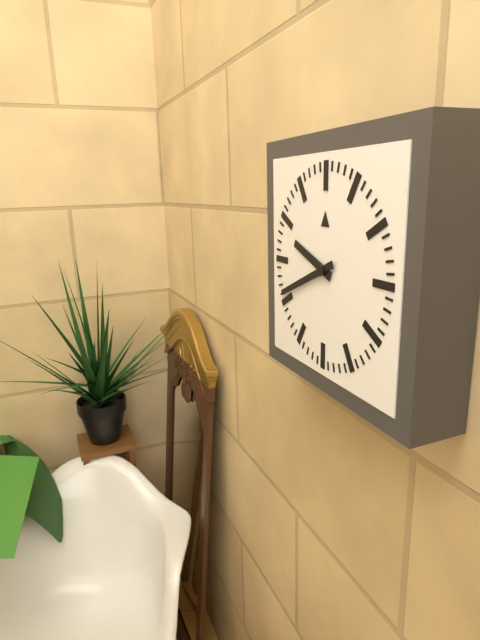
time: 9:41
